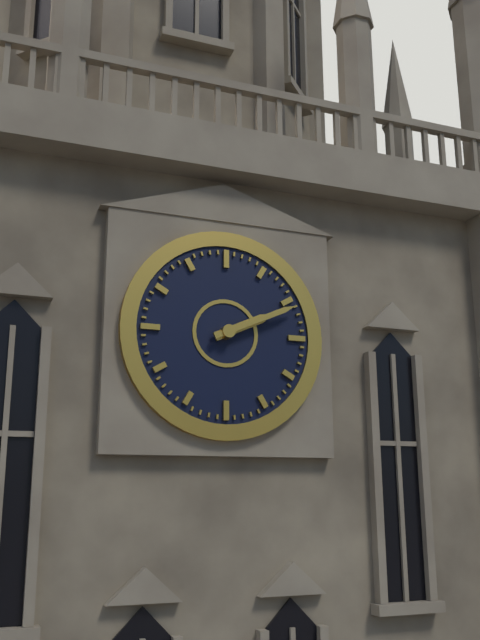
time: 2:11
